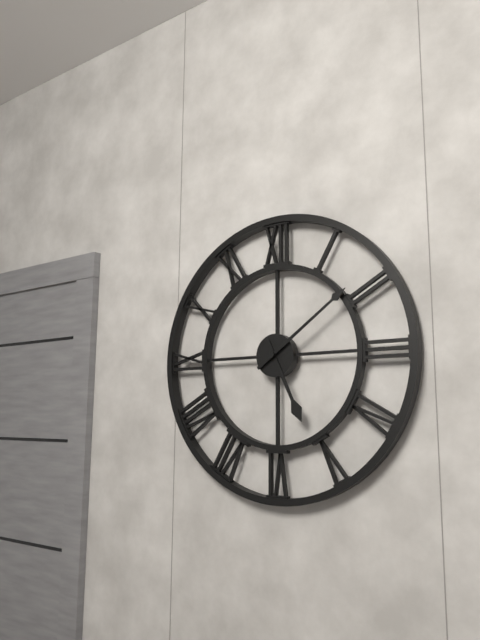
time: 5:09
